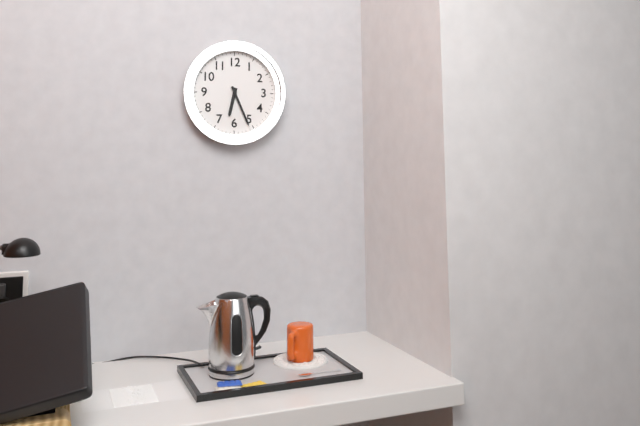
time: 6:26
